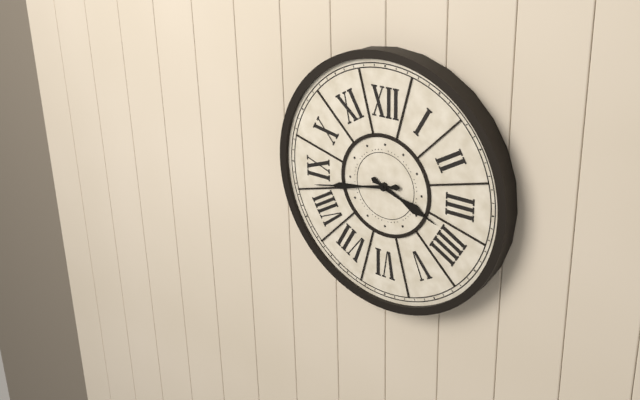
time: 3:43
